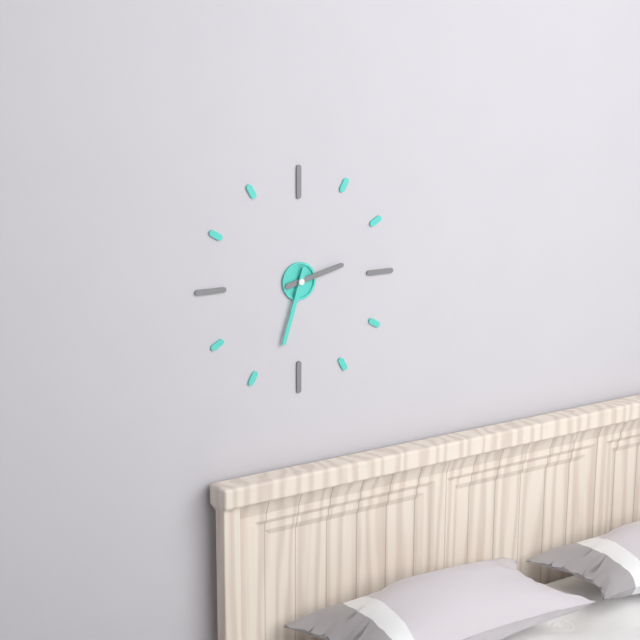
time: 2:33
